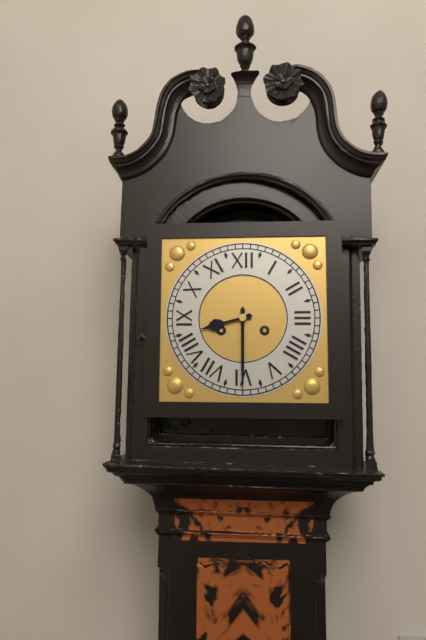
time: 8:30
